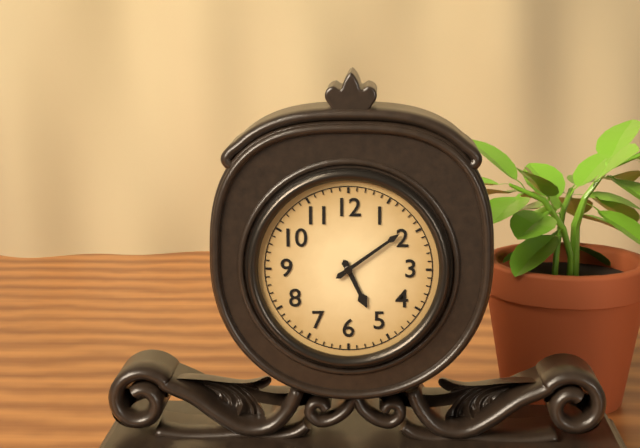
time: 5:09
